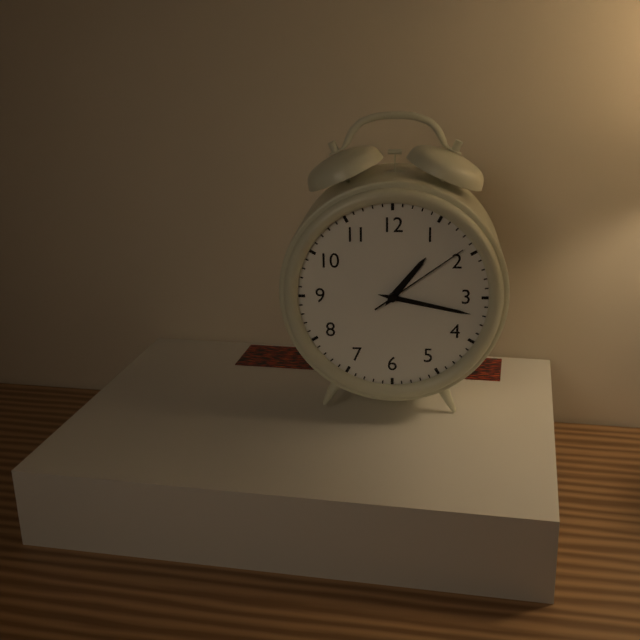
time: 1:17:09
